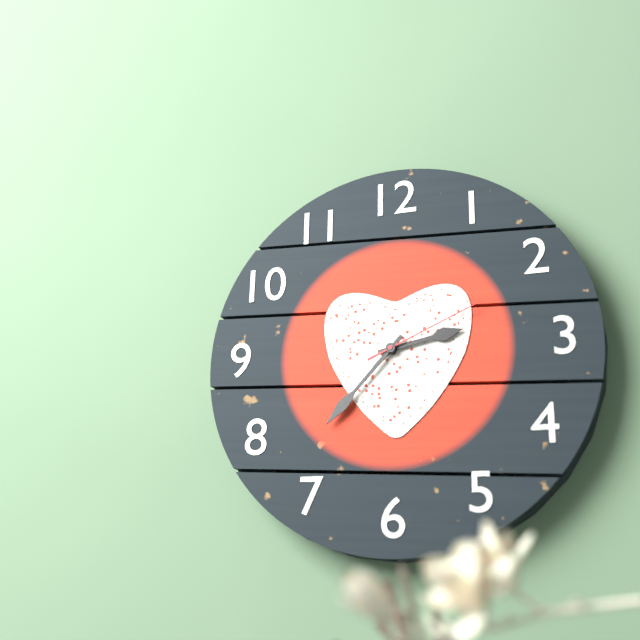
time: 2:37:11
